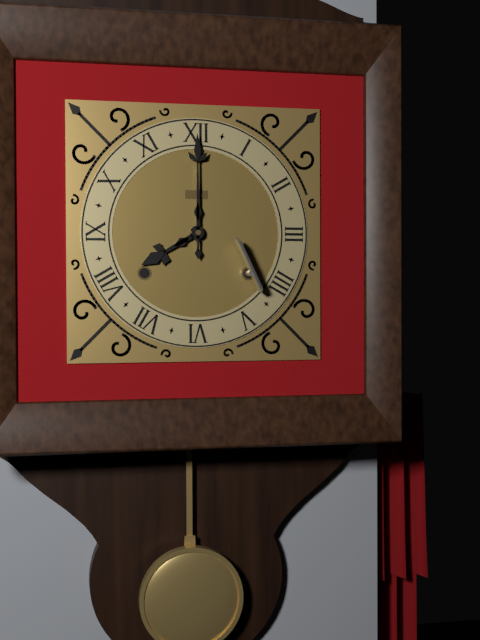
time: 8:00
